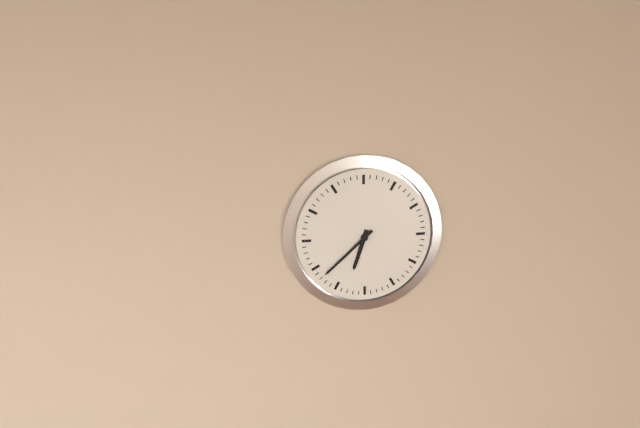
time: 6:38
